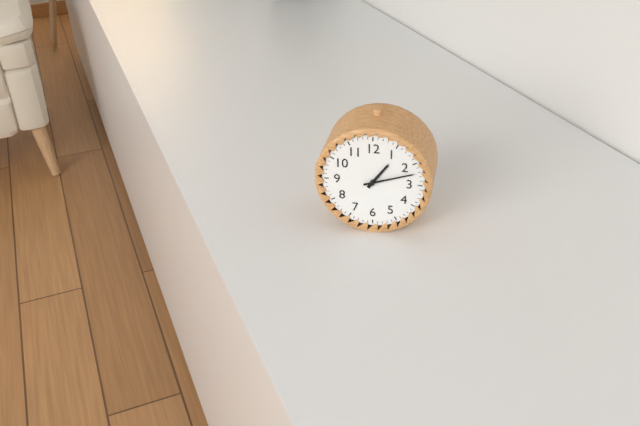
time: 1:12
